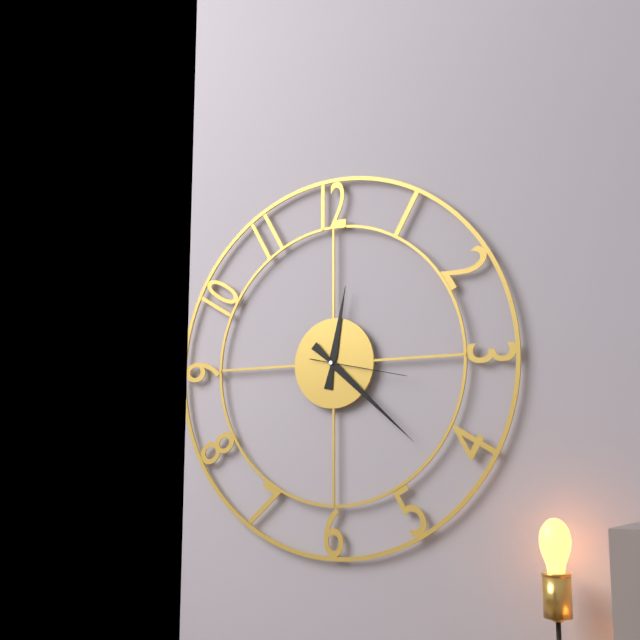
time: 12:22:17
